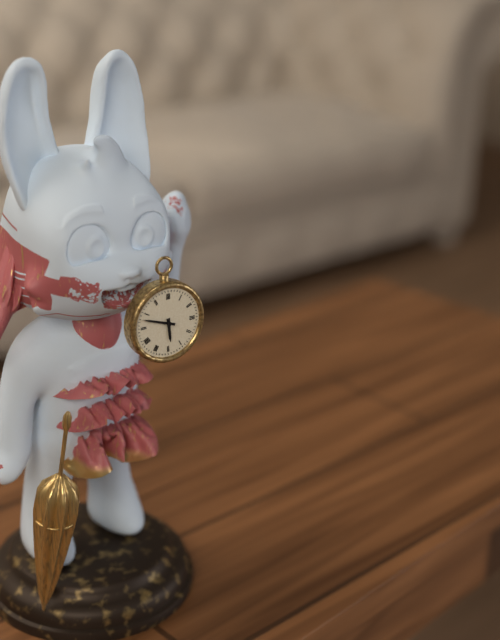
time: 5:48
